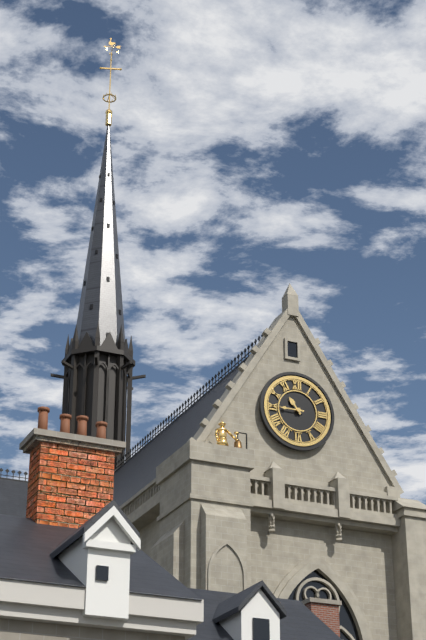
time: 10:45
